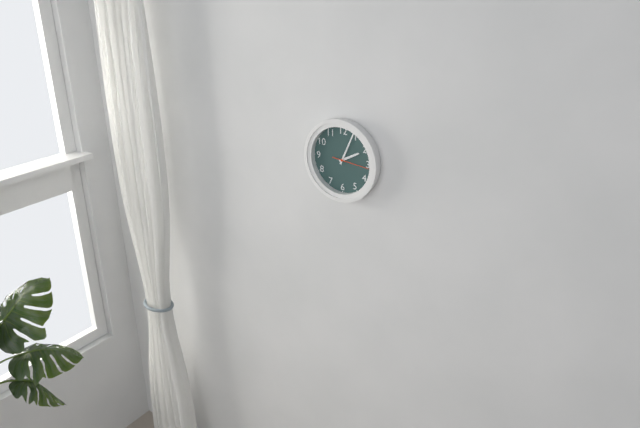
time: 2:04
